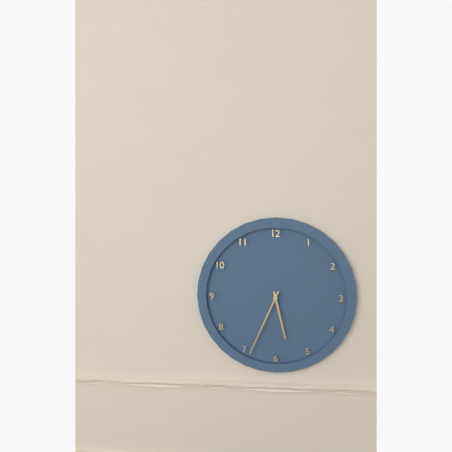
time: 5:34
